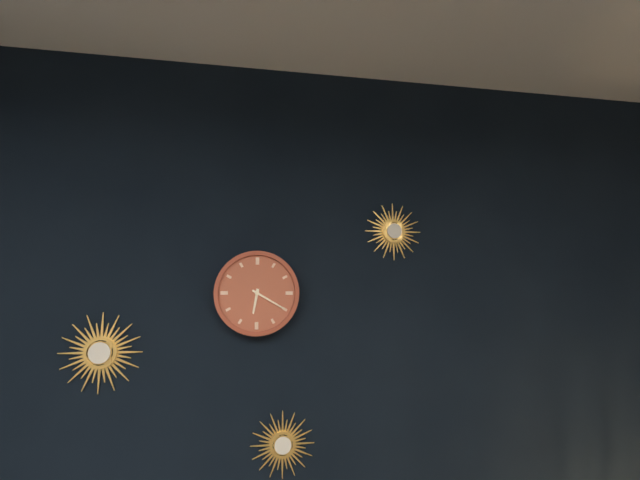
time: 6:20
